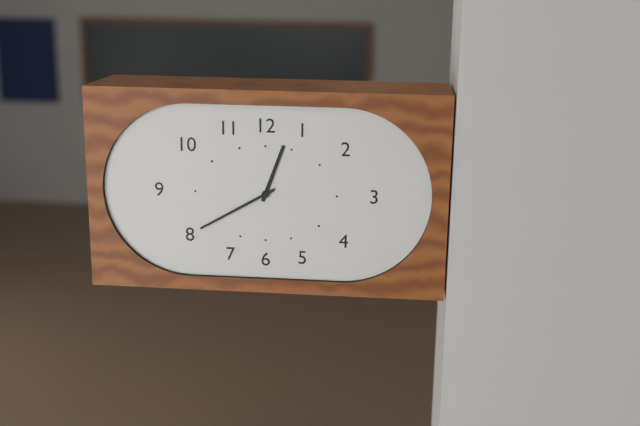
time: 12:40
